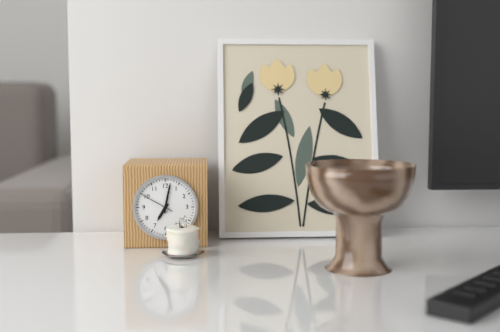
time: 7:02
